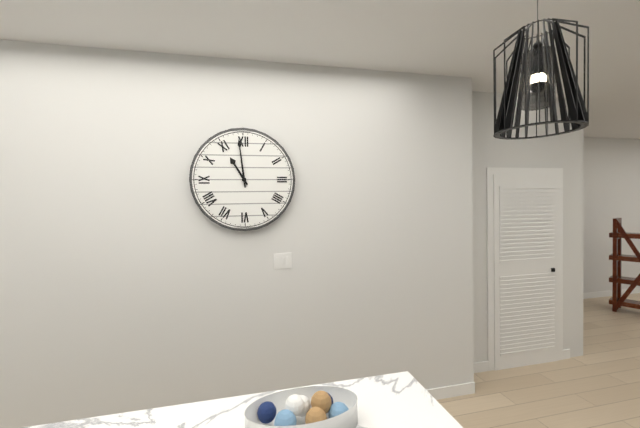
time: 10:59
